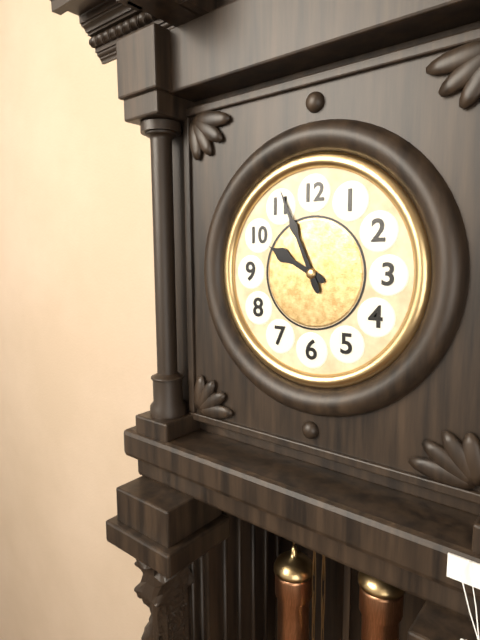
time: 9:56
